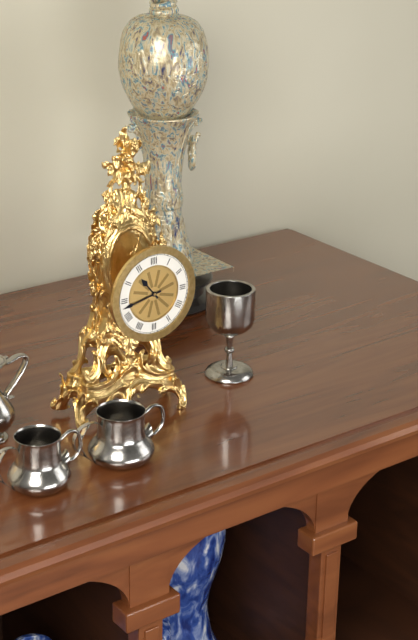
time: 10:43
